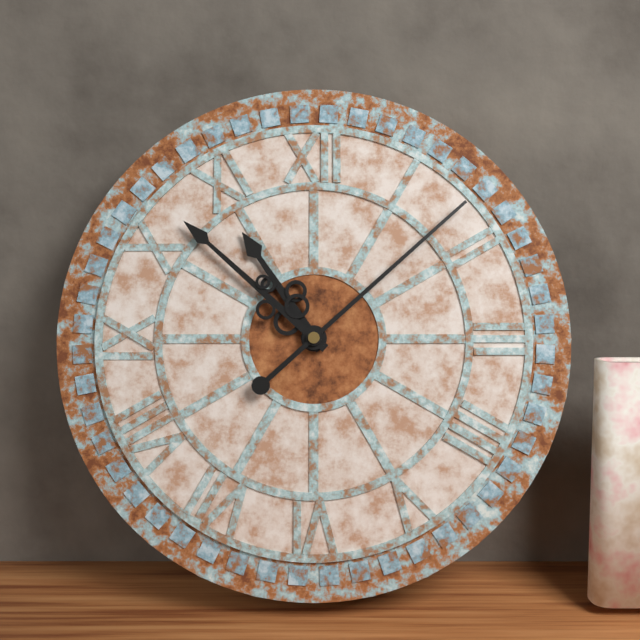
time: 10:52:08
